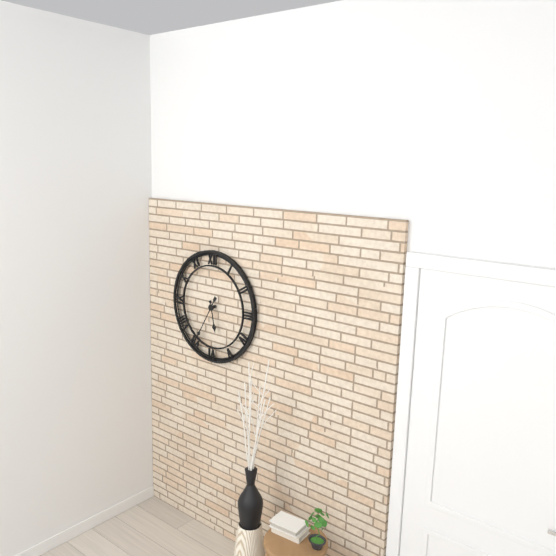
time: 5:35
